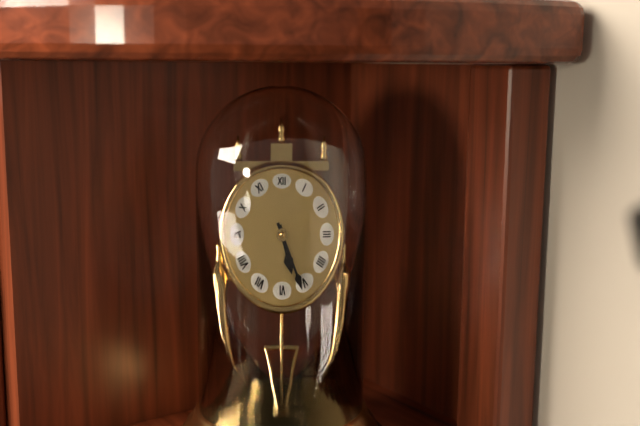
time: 5:26
